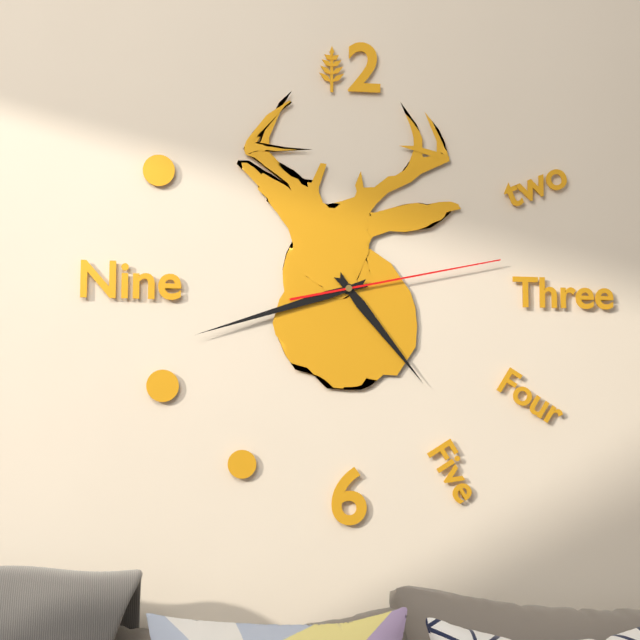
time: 4:42:13
